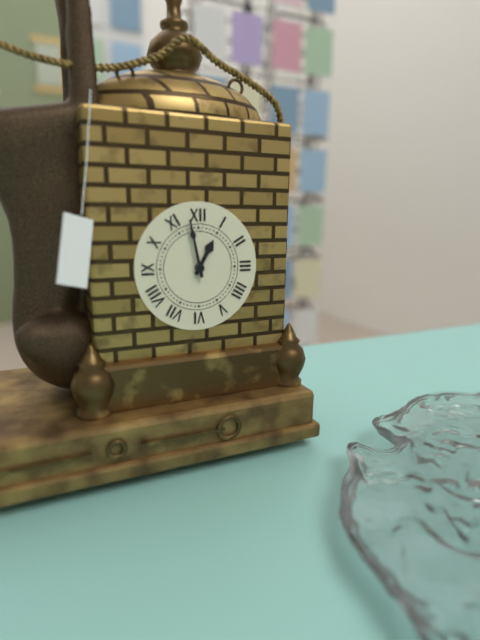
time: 12:58
